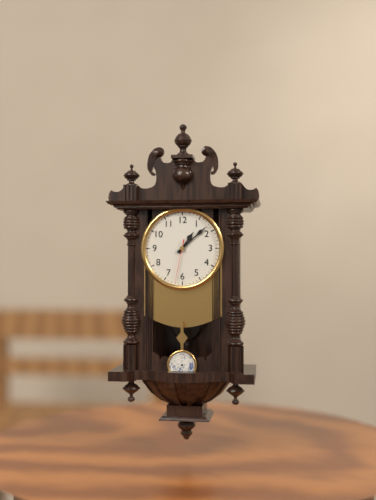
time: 1:08
